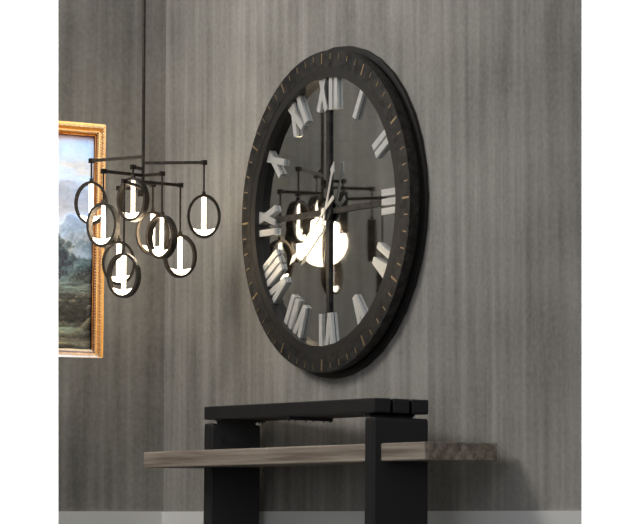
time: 12:39
